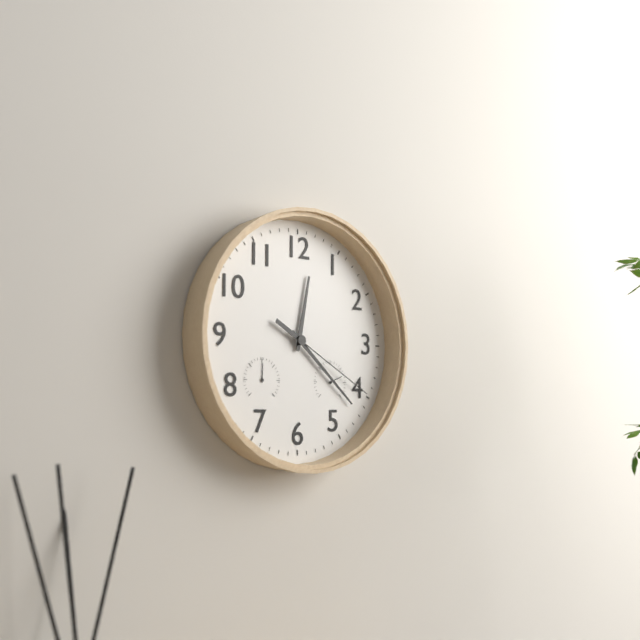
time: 12:22:20
